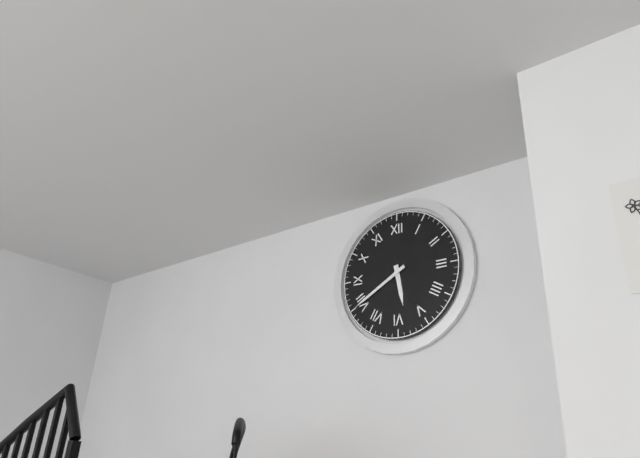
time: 5:40
